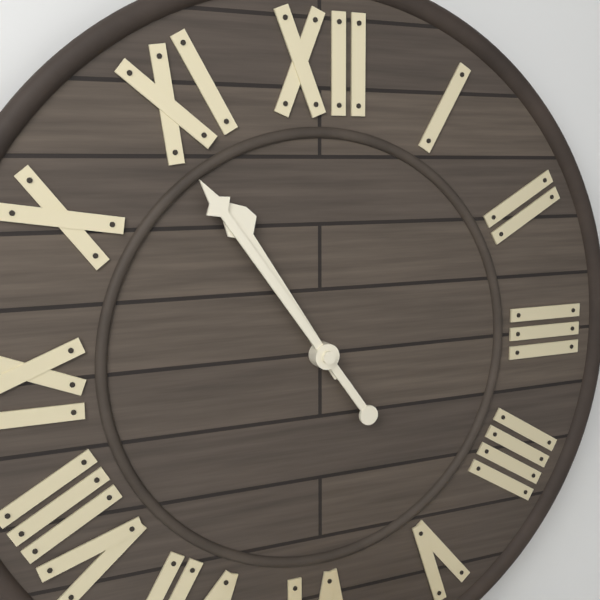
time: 10:54
